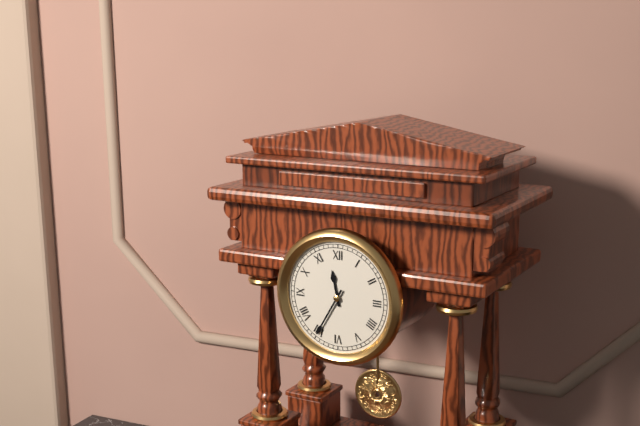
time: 11:35
